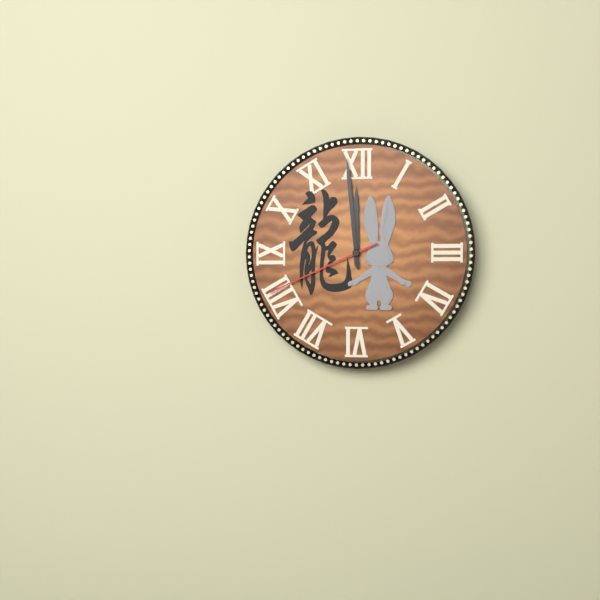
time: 11:59:41
